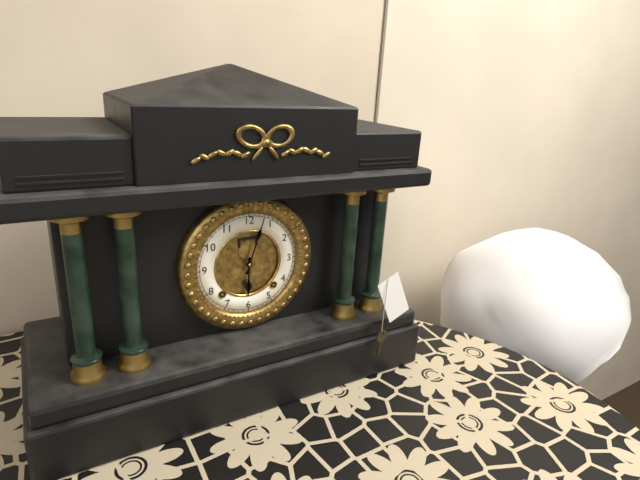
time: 6:03
